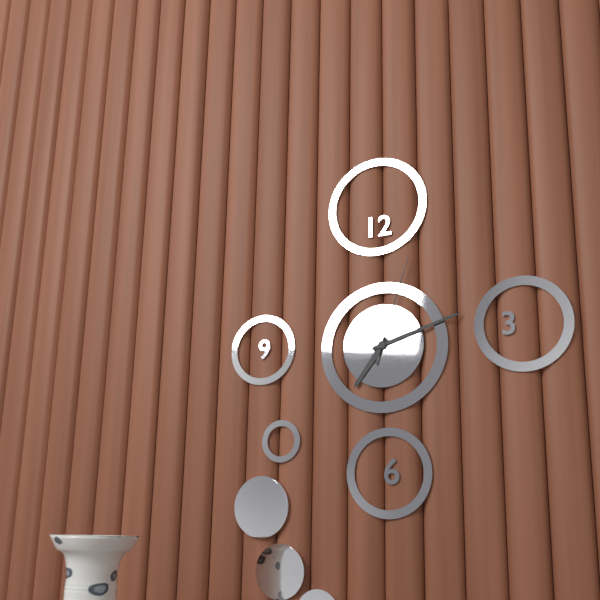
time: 7:12:03
